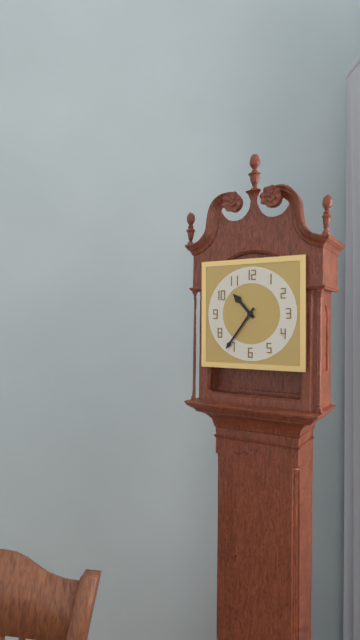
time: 10:36
